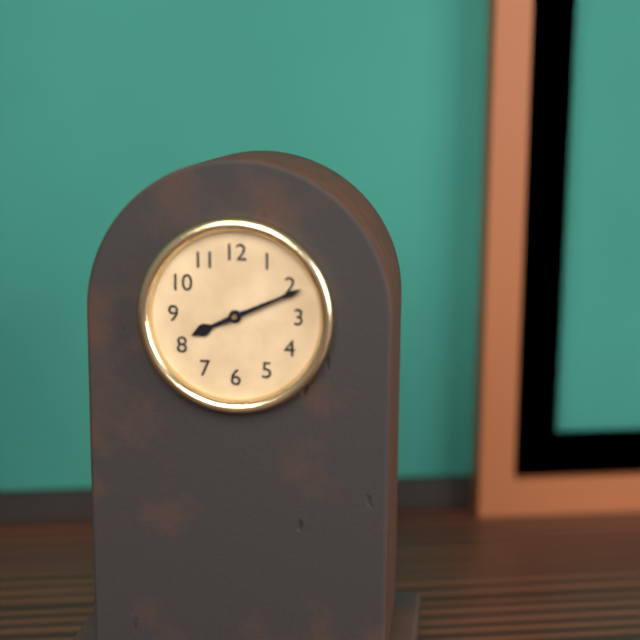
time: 8:11
